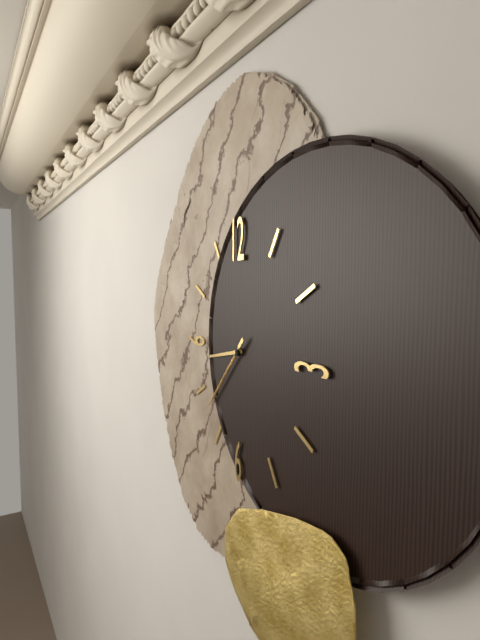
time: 8:37:37
